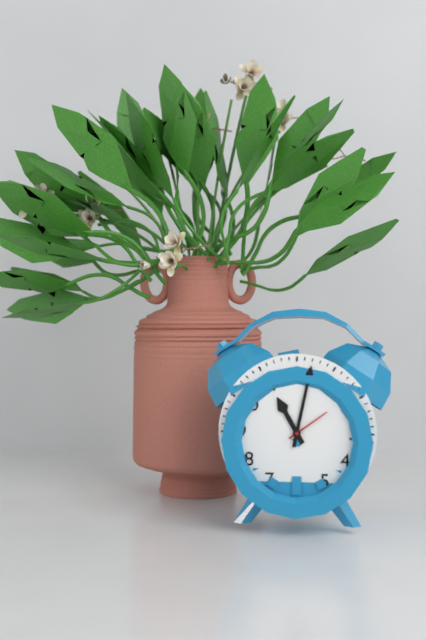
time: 11:02
